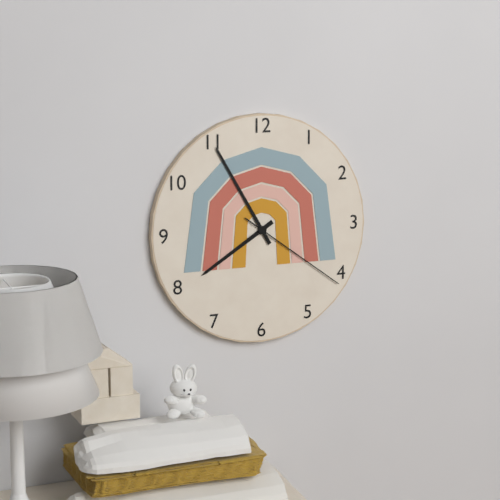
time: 7:55:21
